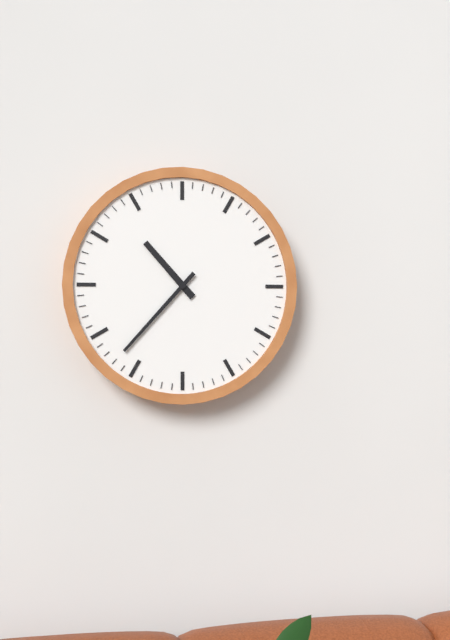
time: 10:37
